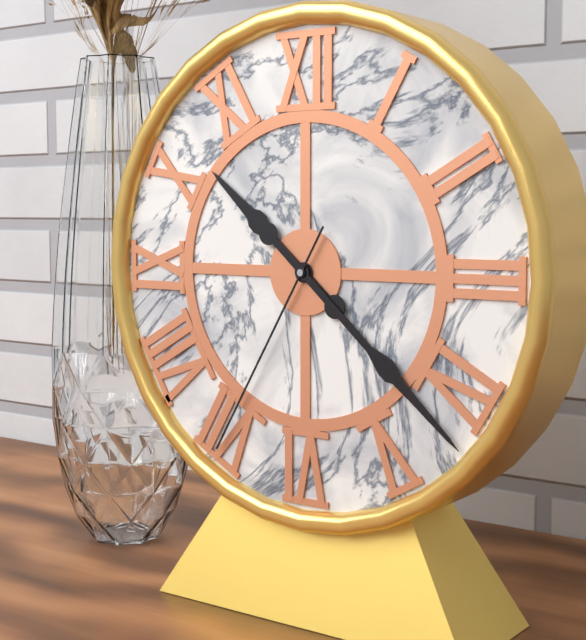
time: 10:22:35
